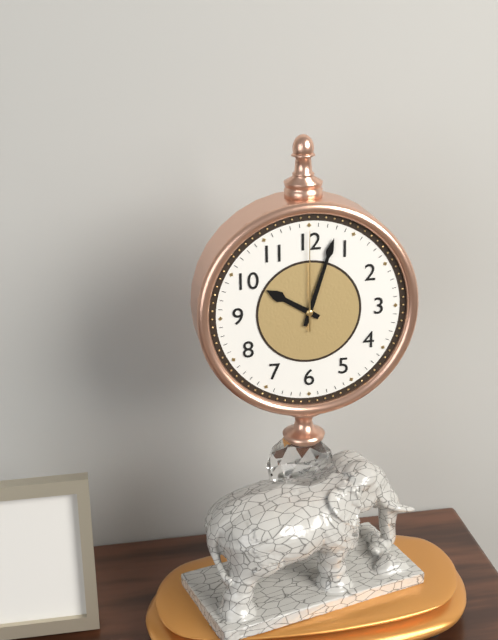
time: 10:03:00
